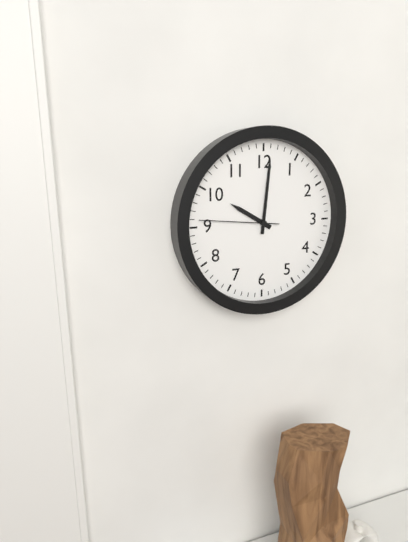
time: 10:01:46
